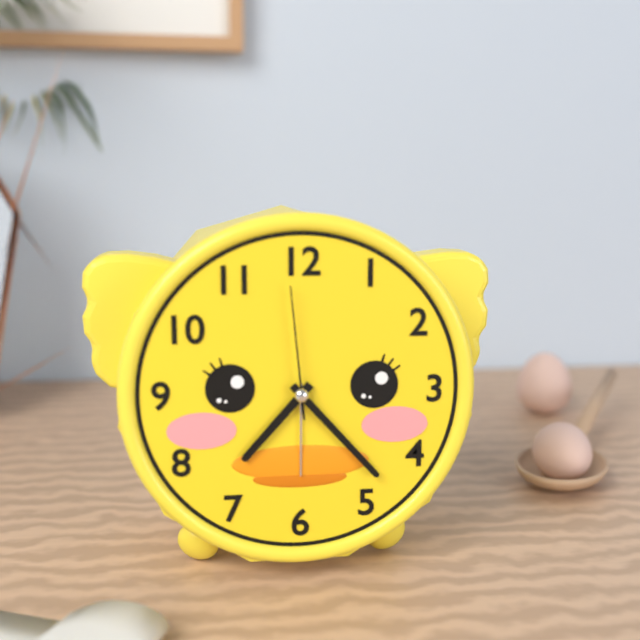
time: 7:23:59
